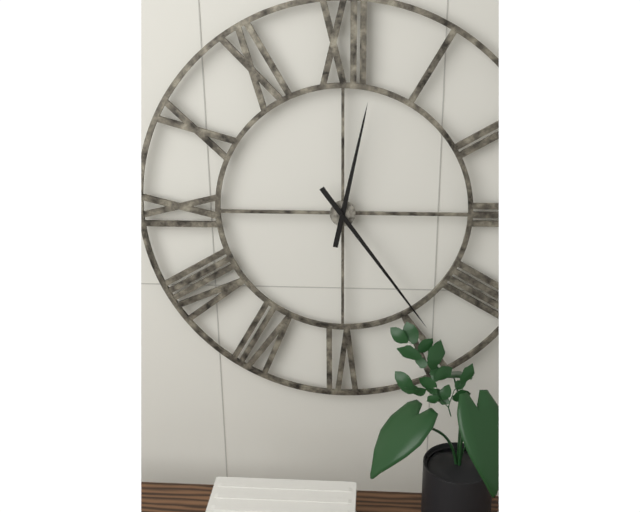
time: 12:24
